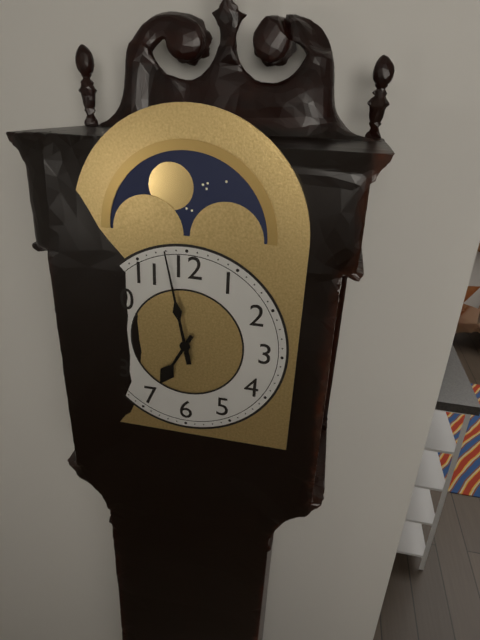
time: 6:58
